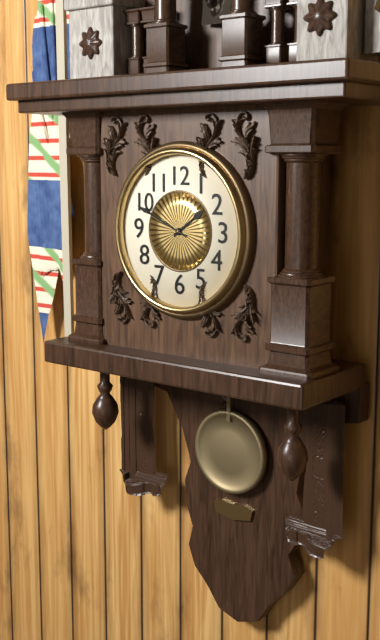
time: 1:49
